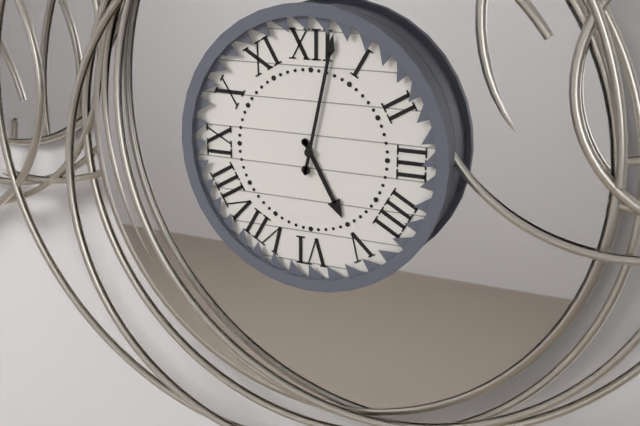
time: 5:02
